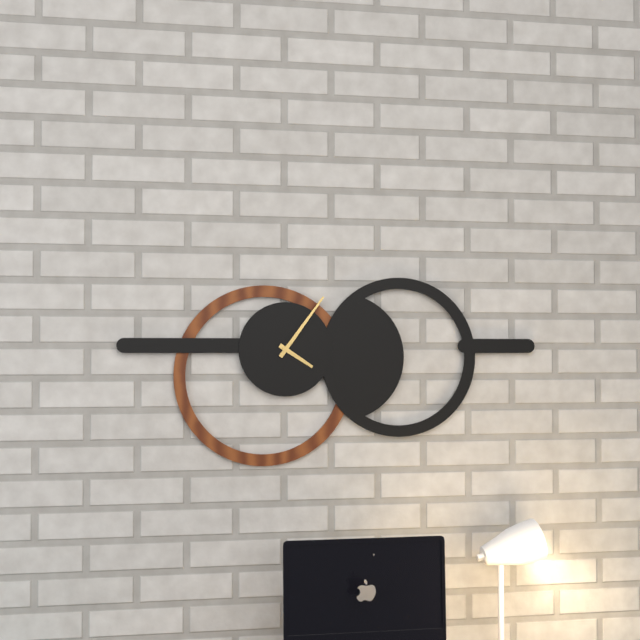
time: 4:06
